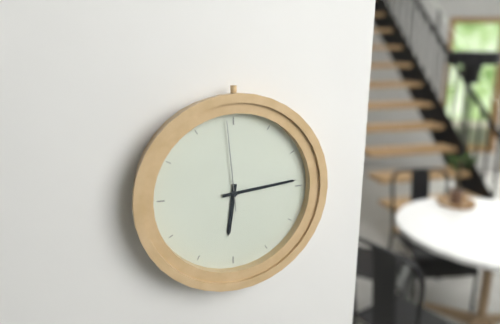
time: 6:14:59
